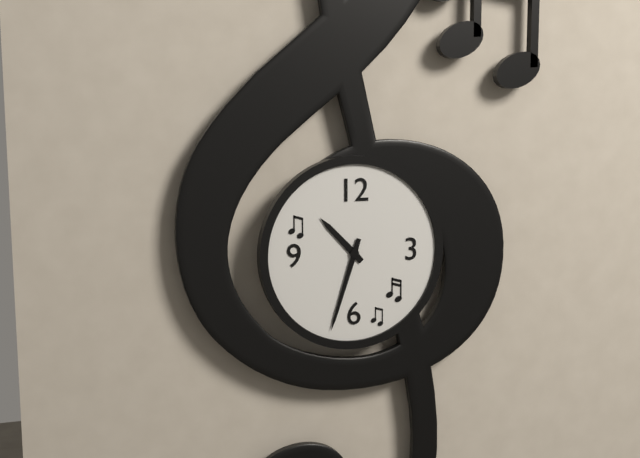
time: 10:33
